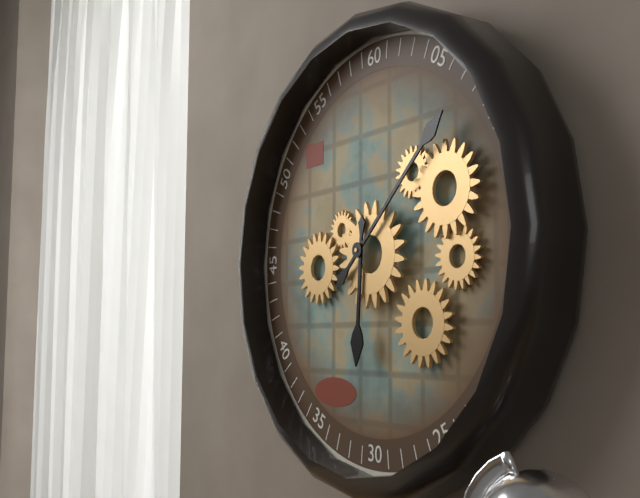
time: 6:08
